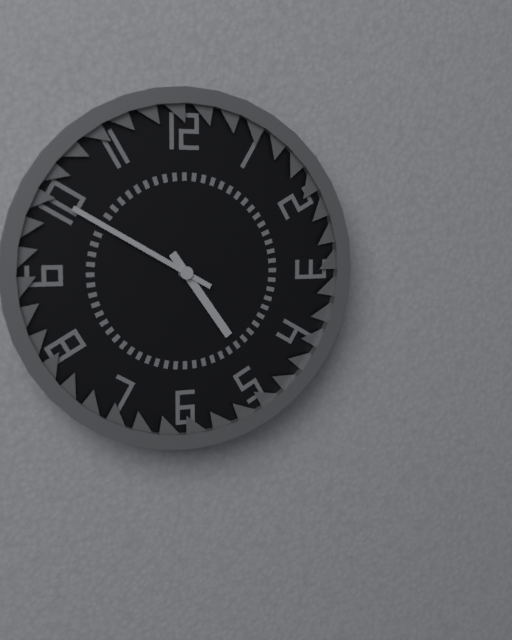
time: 4:50
